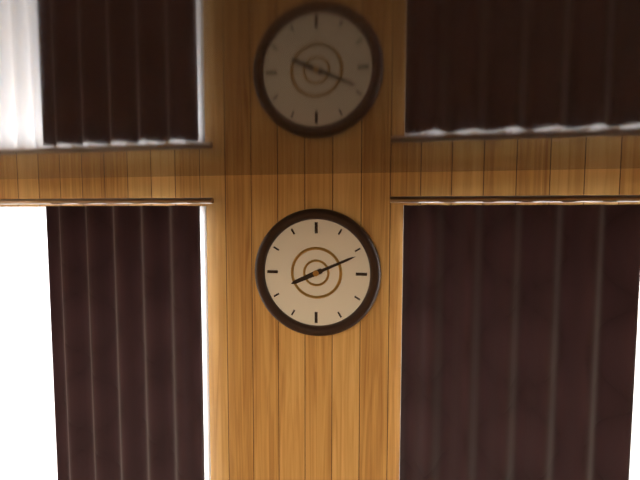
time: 8:11
